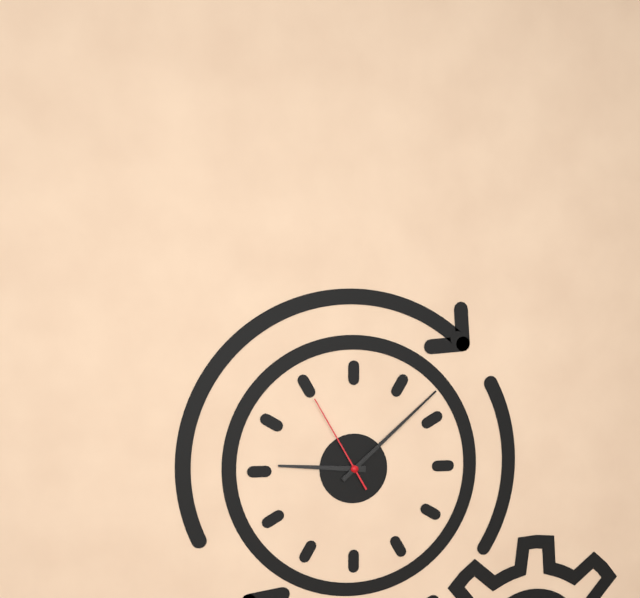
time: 9:08:55
